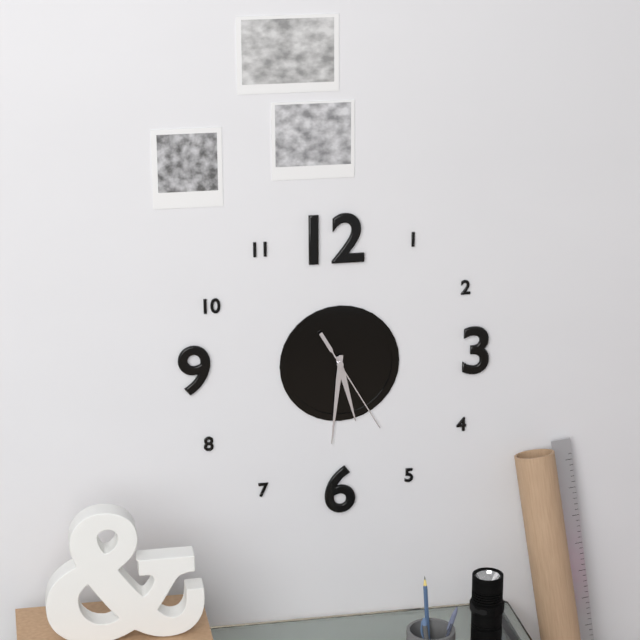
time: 5:31:25
